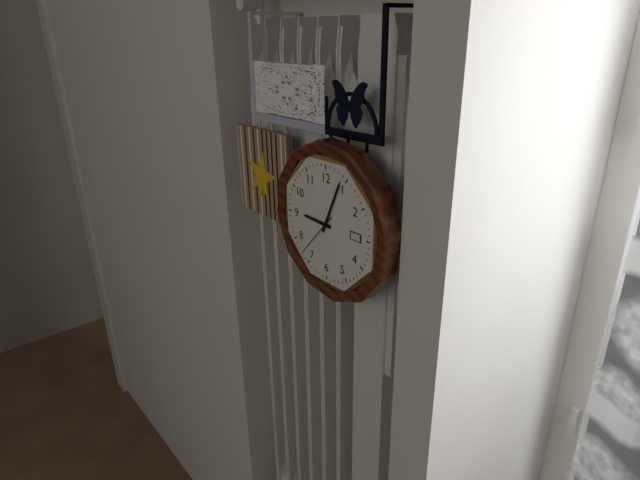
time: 9:04:37
